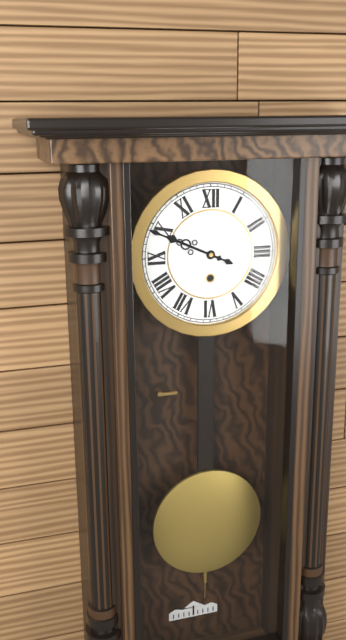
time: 9:49
